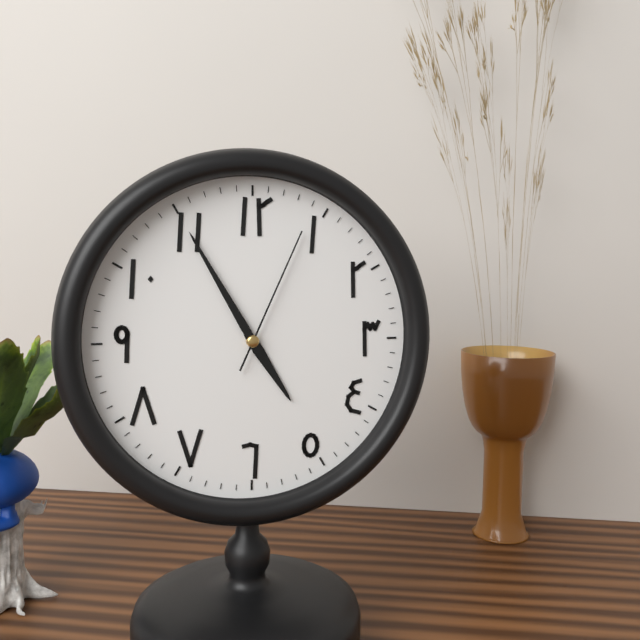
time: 4:55:04
